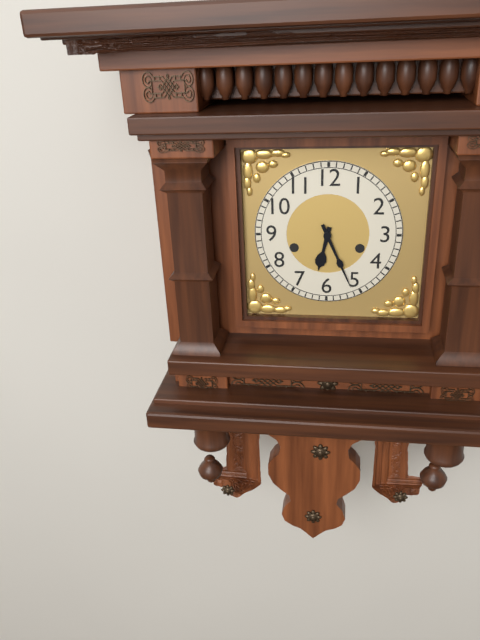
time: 6:26
